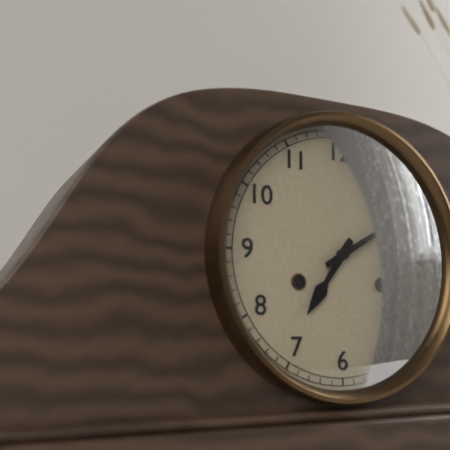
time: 7:10
